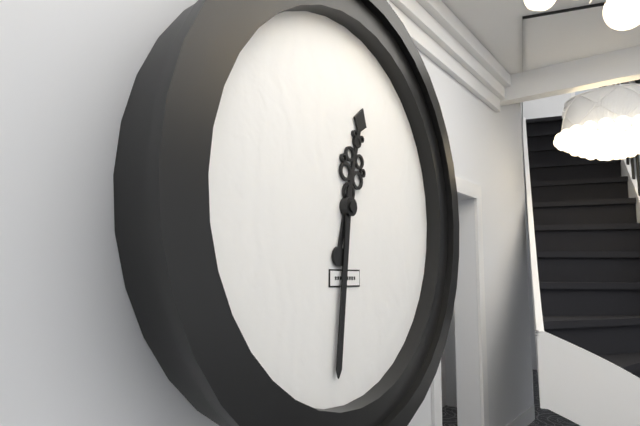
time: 12:31
